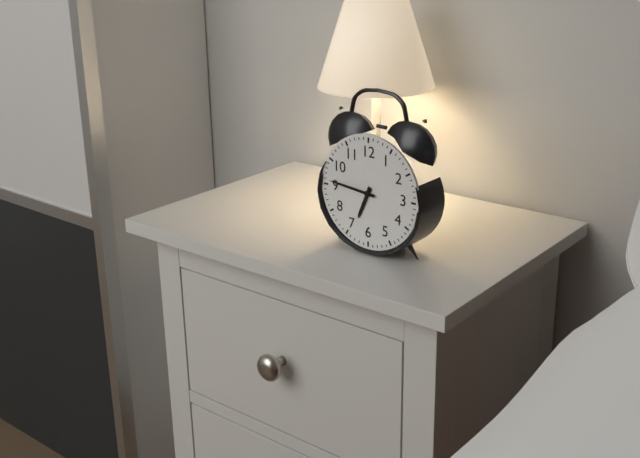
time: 6:46
